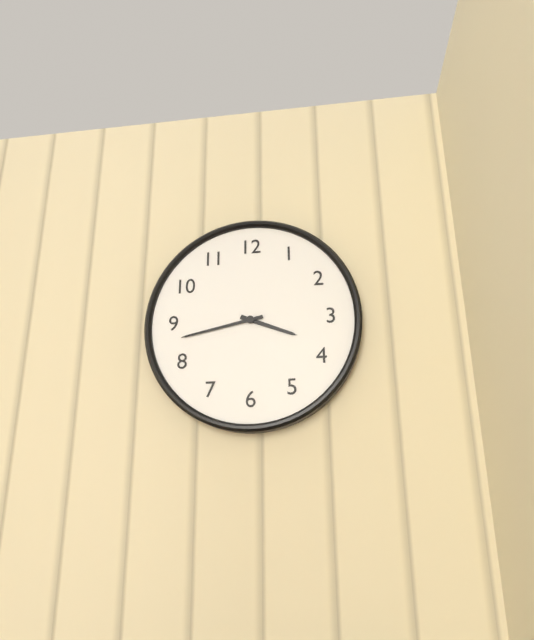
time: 3:43
